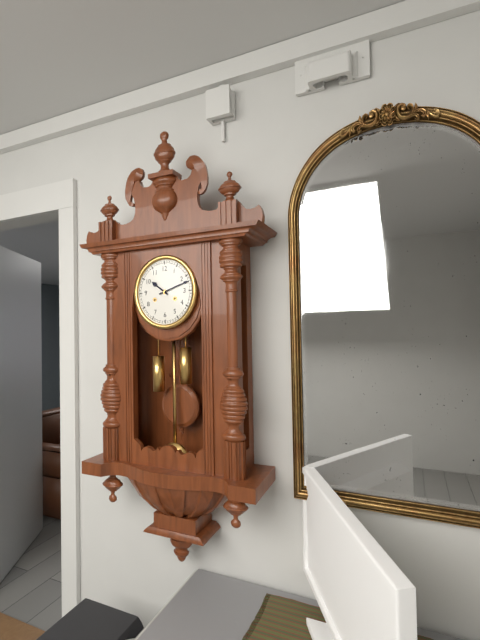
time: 10:12
